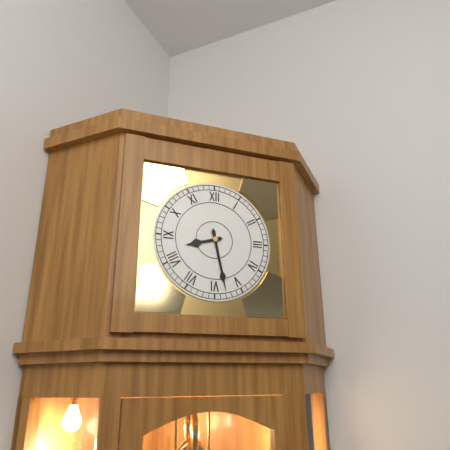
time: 8:28
